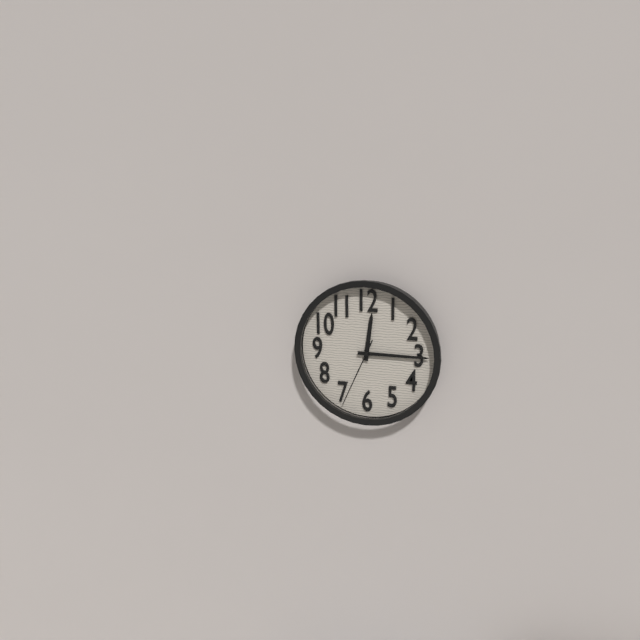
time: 12:15:34
